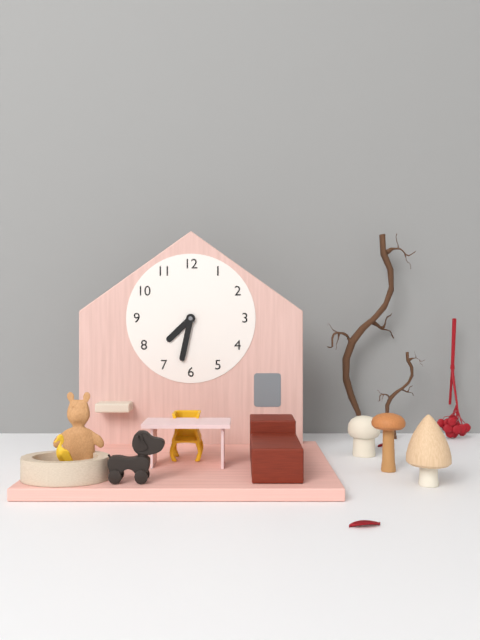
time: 7:32
